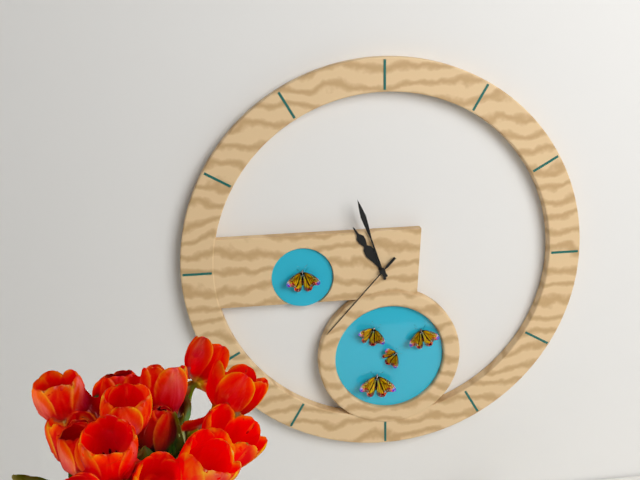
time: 10:57:37
